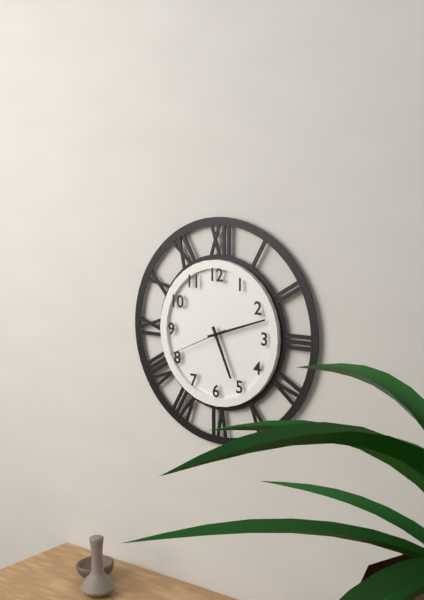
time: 5:12:41
